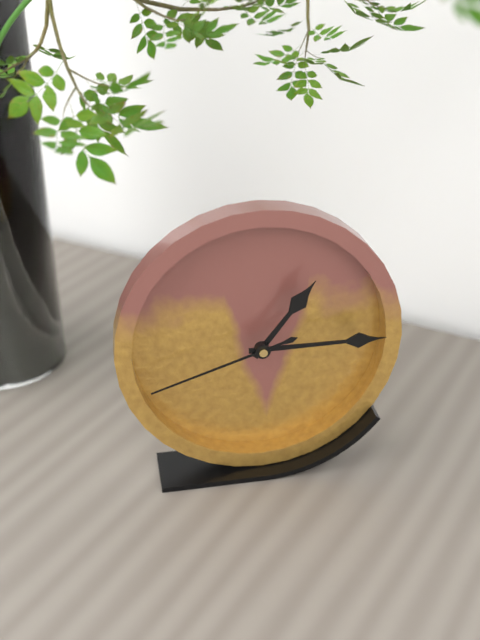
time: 1:15:42
